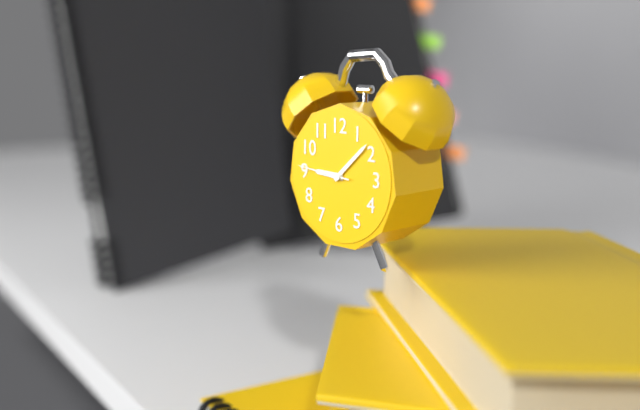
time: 9:08:46
